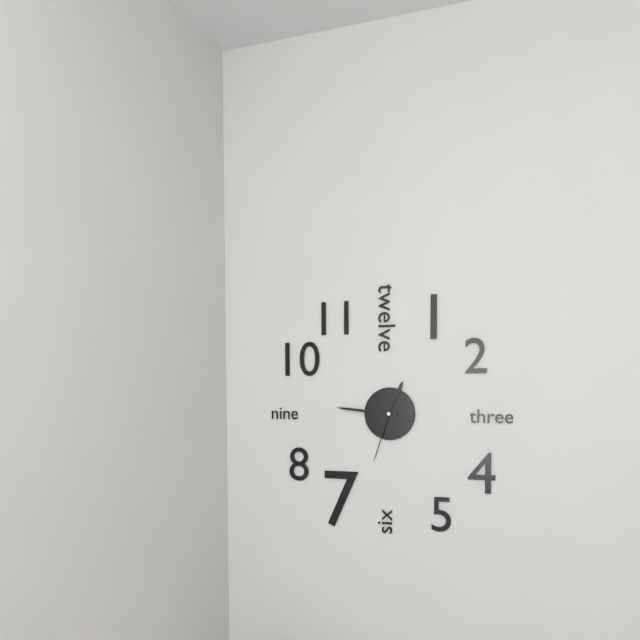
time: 12:46:33
